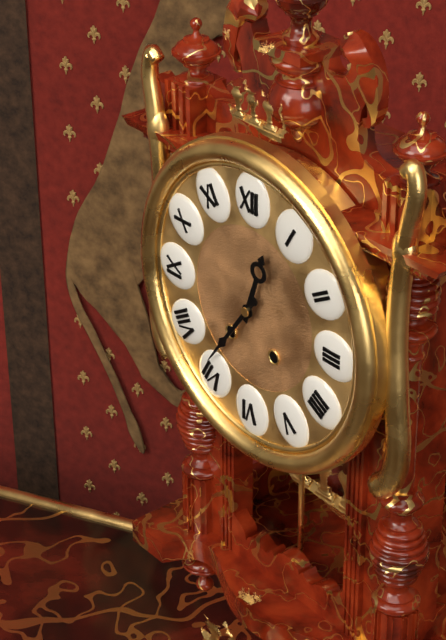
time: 12:36
